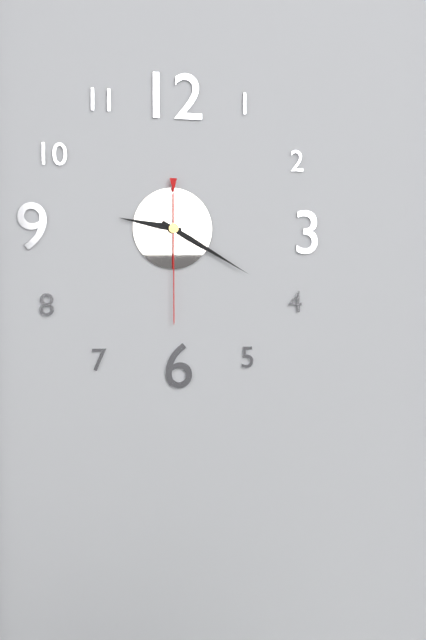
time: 9:20:30
